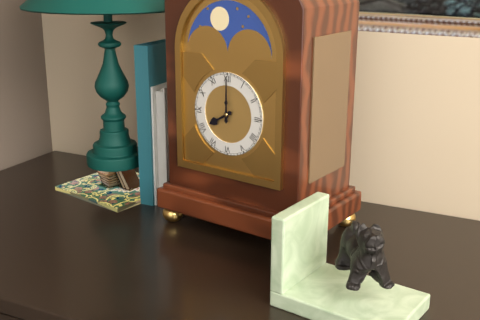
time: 8:00
